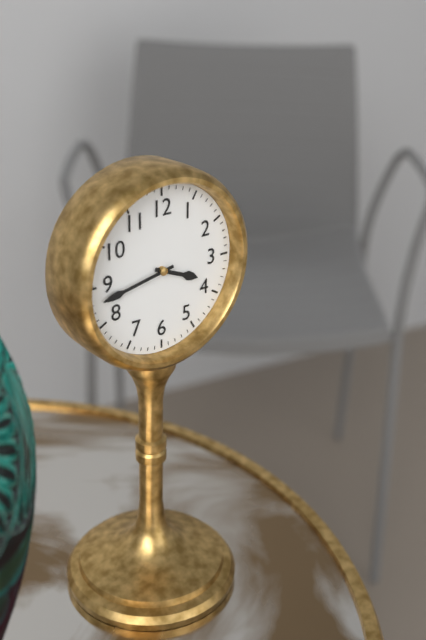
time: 3:43
